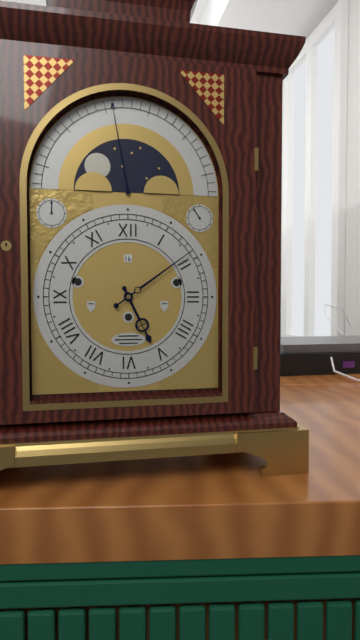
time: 5:09
